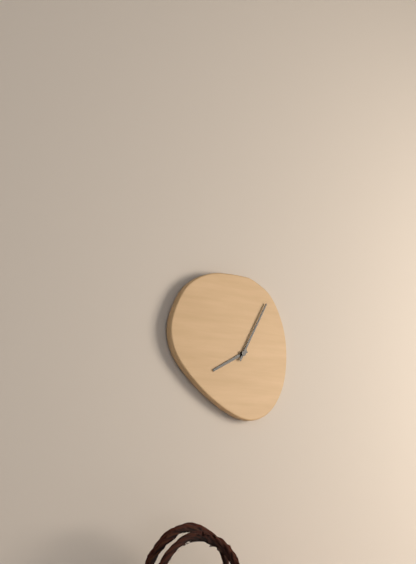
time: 8:05
